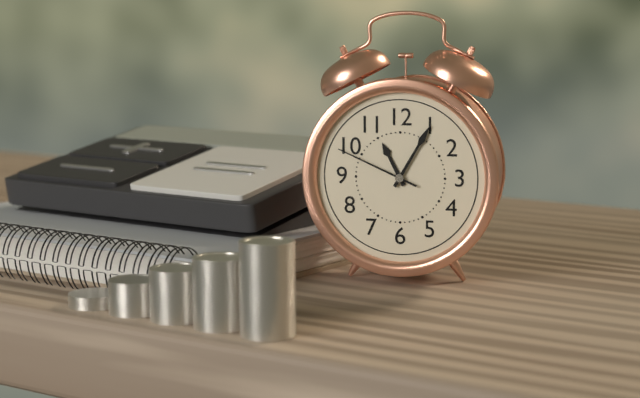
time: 11:05:49
